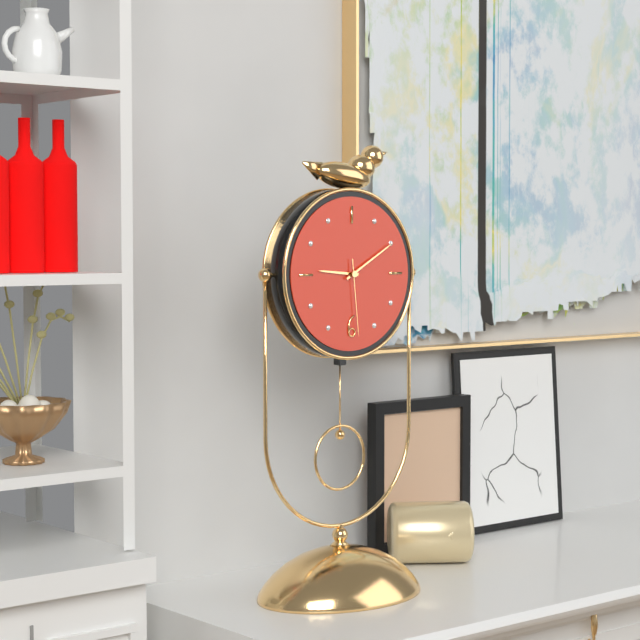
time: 9:10:29
